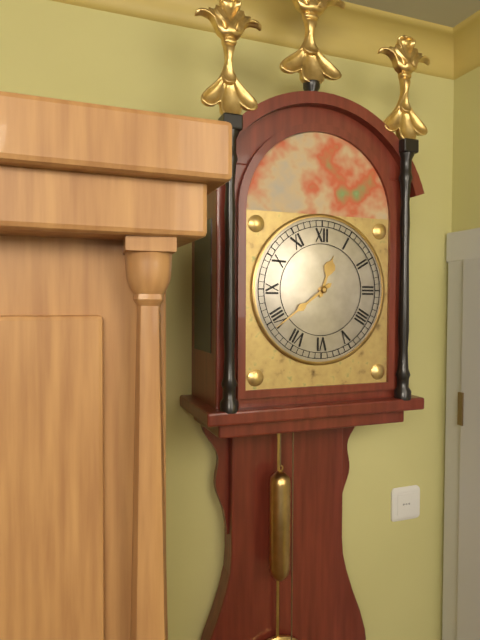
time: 12:39
